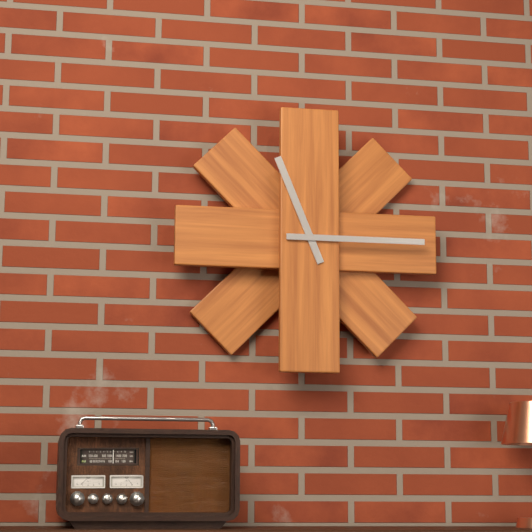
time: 11:15
